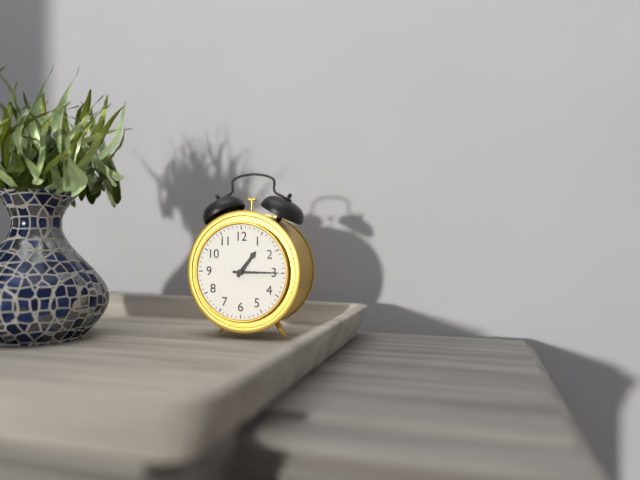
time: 1:15
